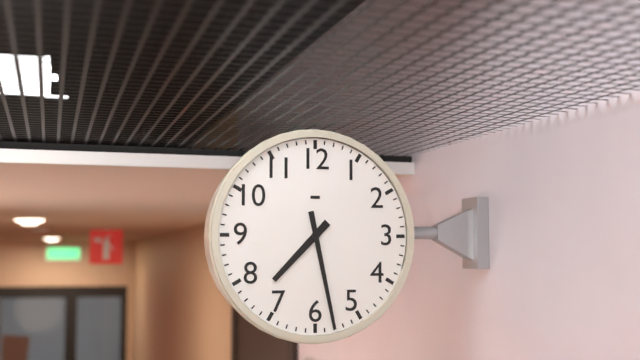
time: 7:28
